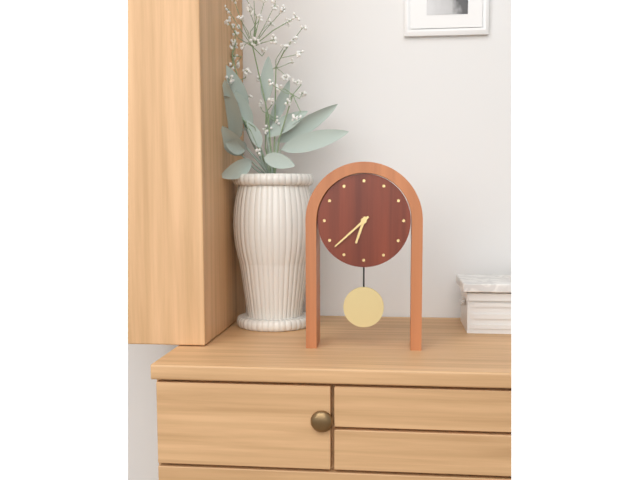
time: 6:38
